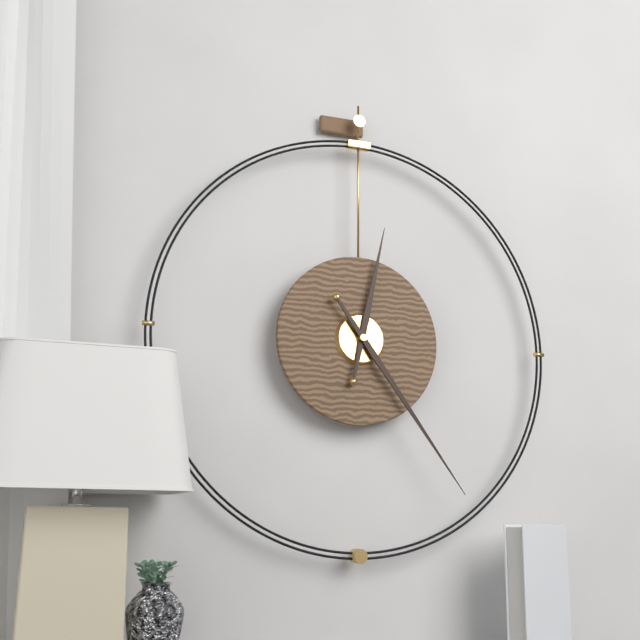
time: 12:24
